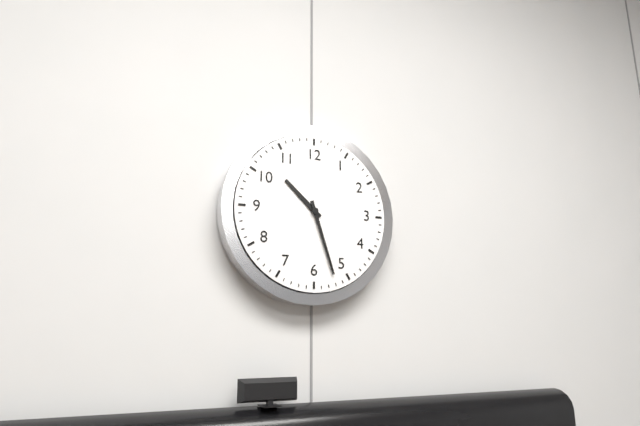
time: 10:27
